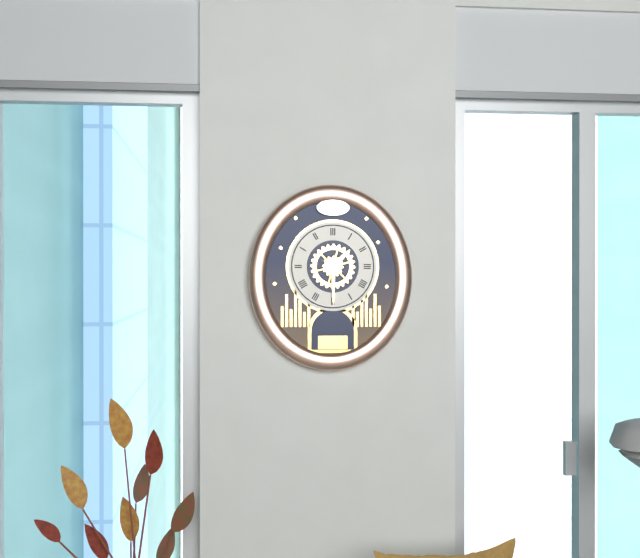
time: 1:30
